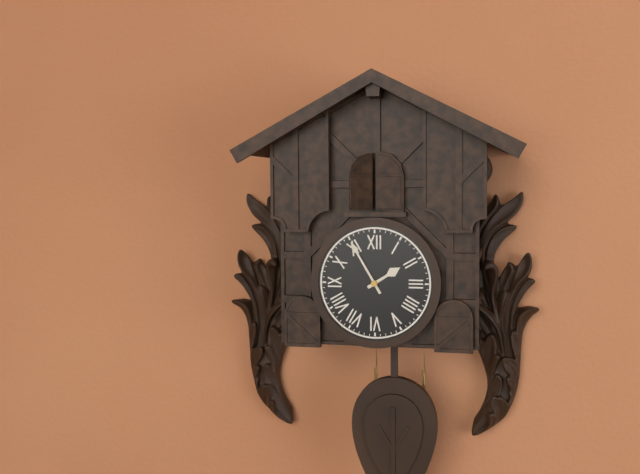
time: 1:55
